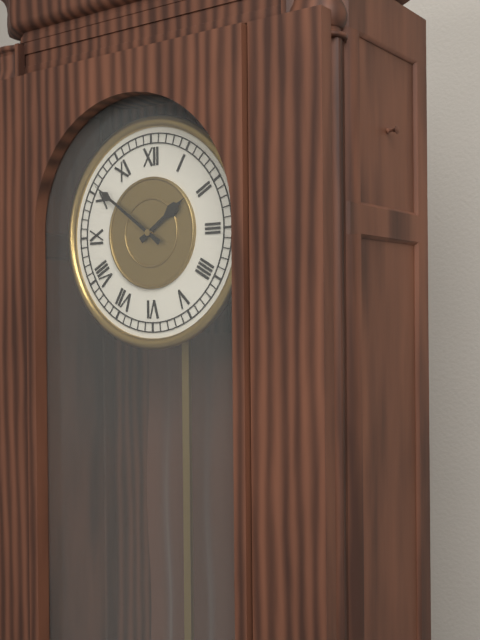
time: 1:51
